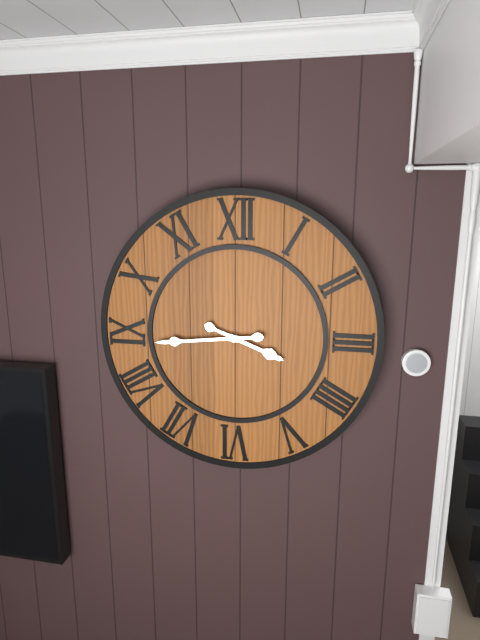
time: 3:44
